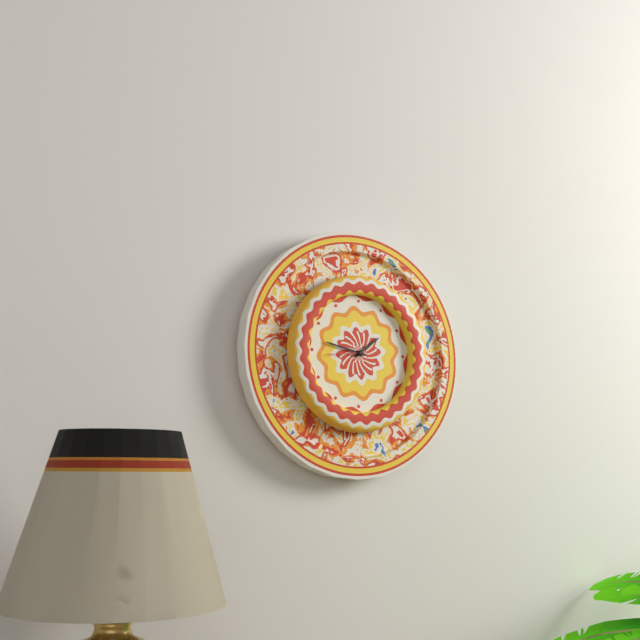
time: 1:47
